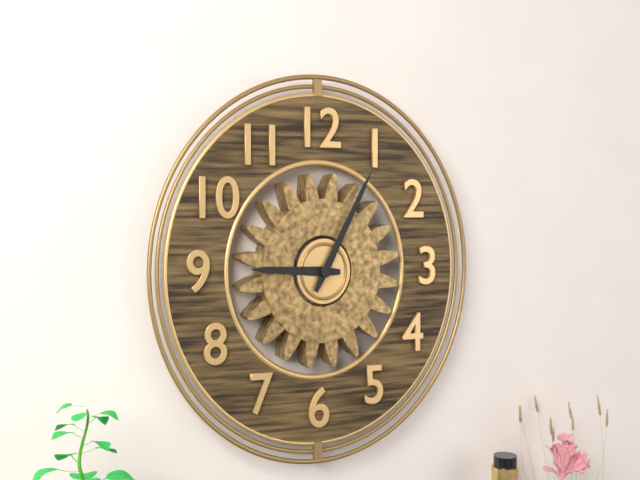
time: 9:05
